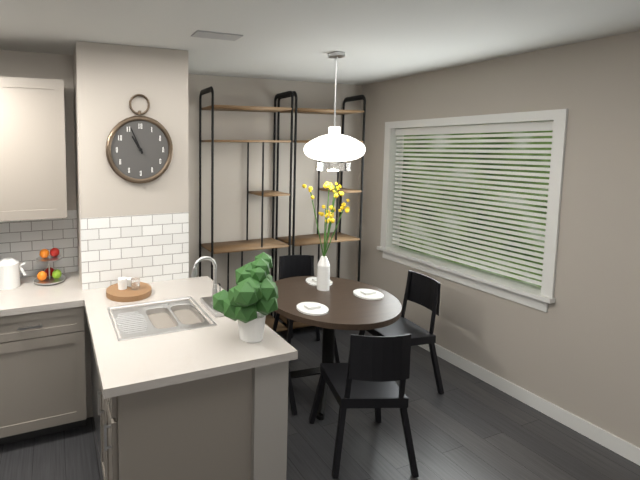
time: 10:56
